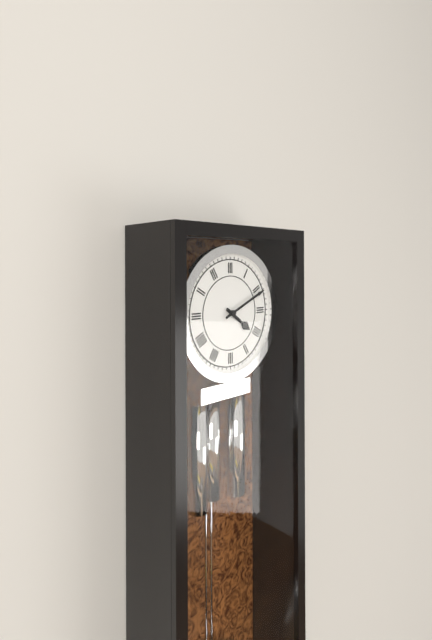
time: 4:11
